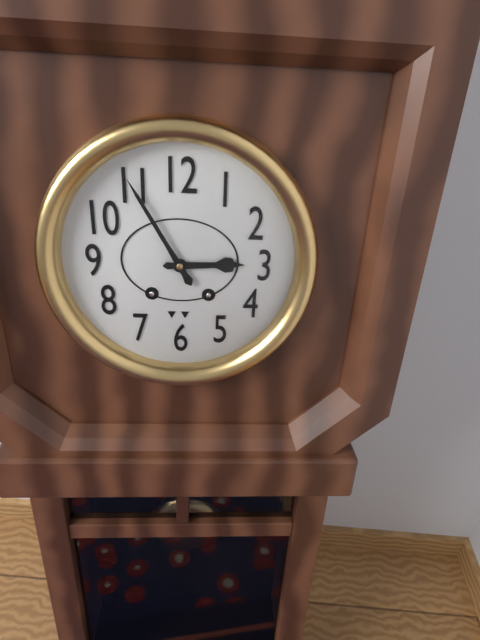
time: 2:55
